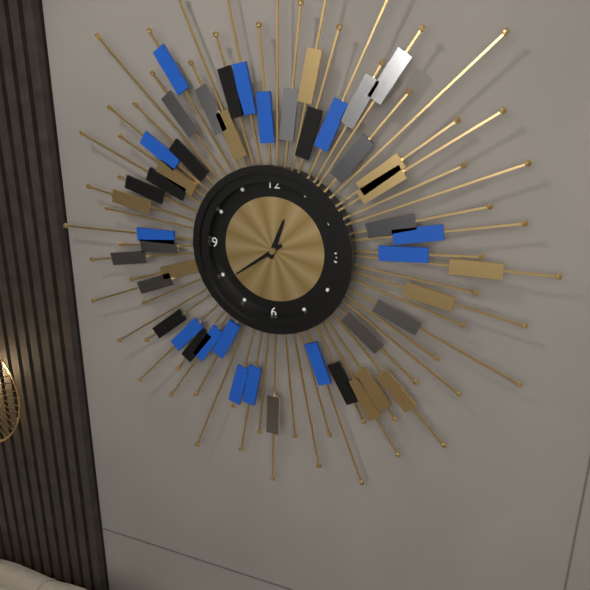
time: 12:39
